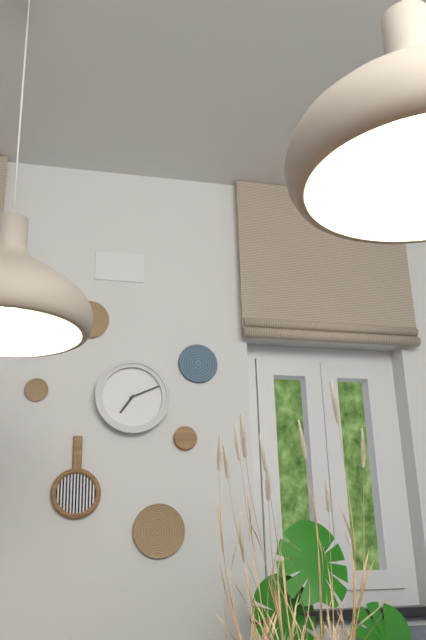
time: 7:11
